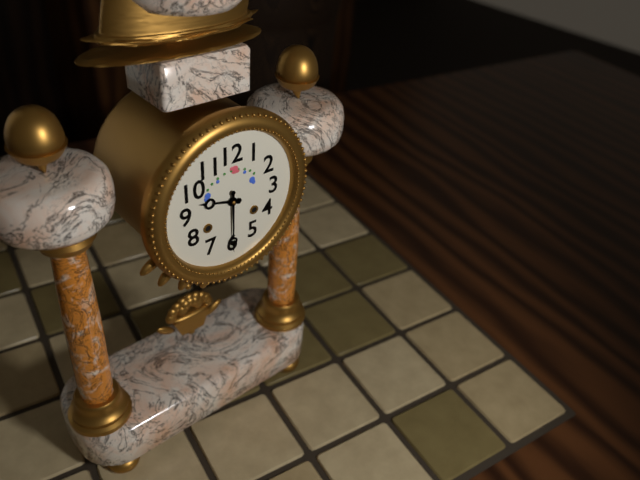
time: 9:30
